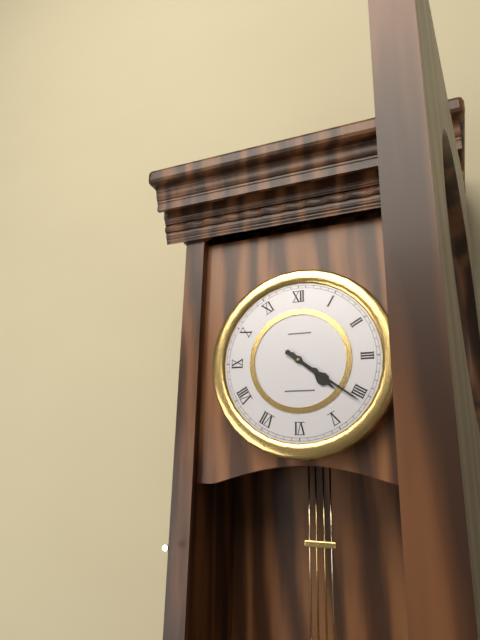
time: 4:21
